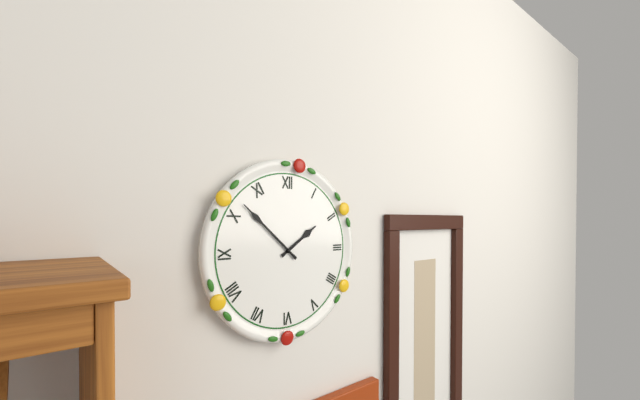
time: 1:52
